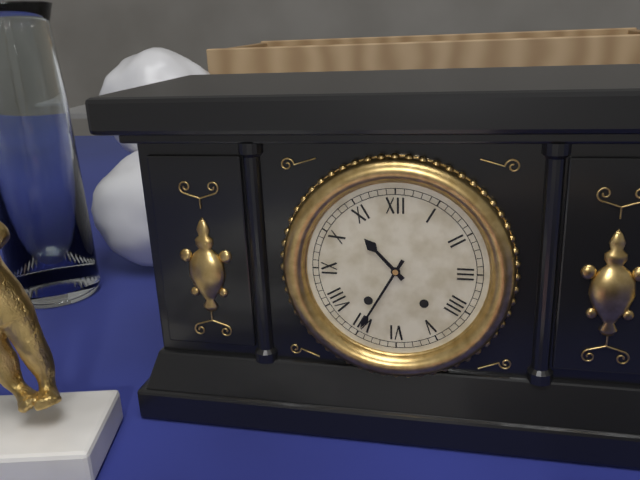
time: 10:35
